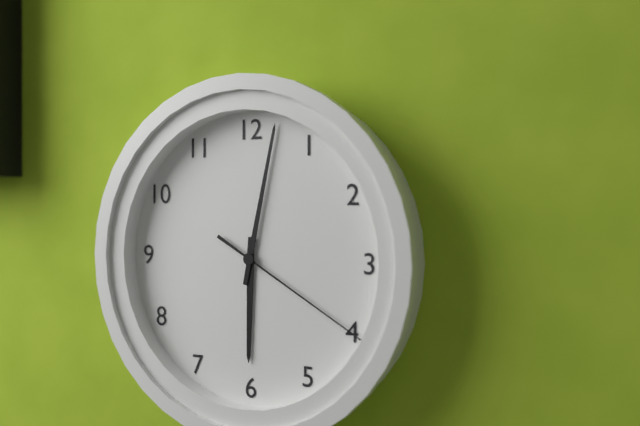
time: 6:02:20
